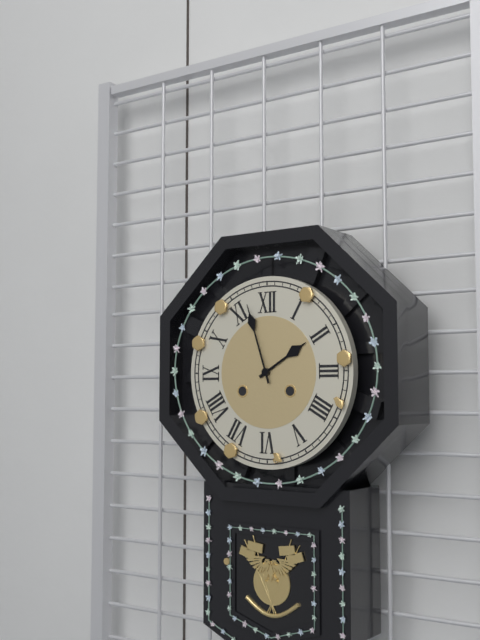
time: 1:57
